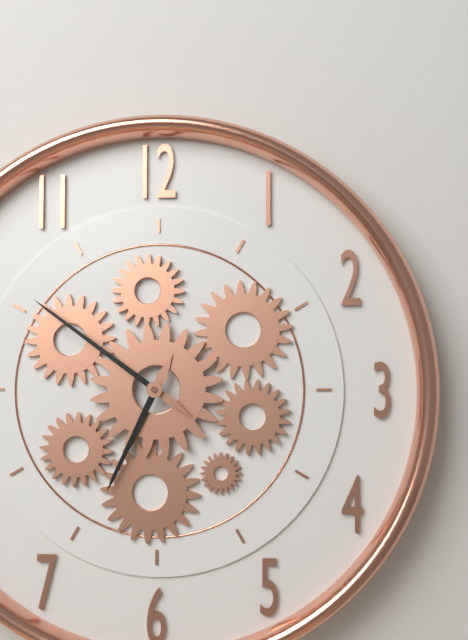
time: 6:51
